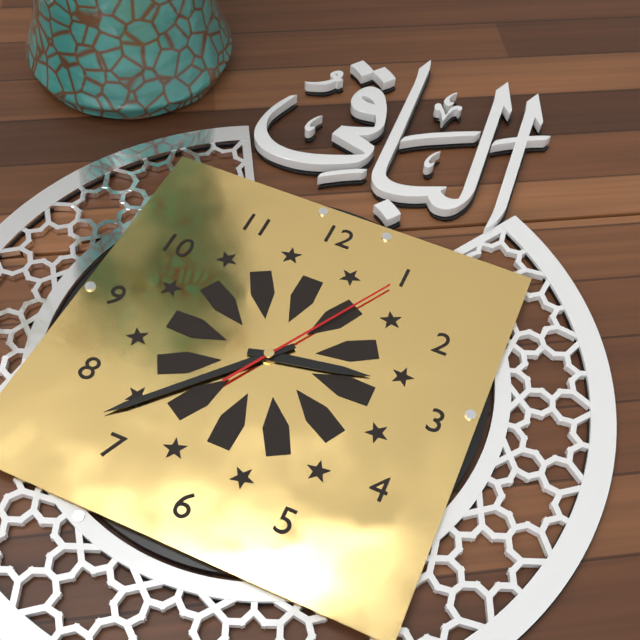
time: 2:37:05
